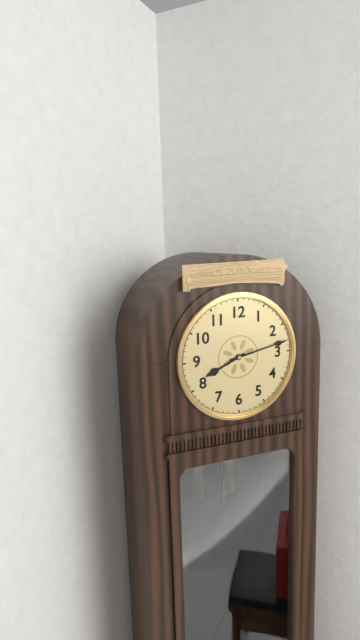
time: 8:13
